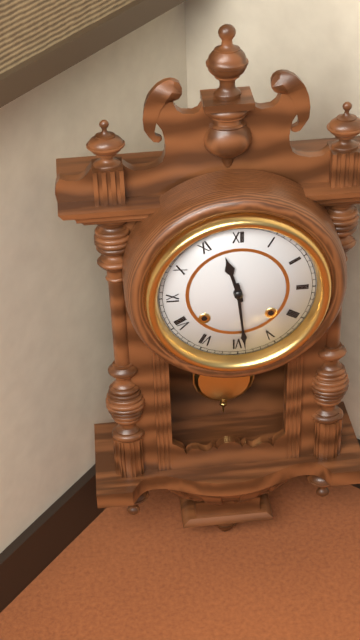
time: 11:29
